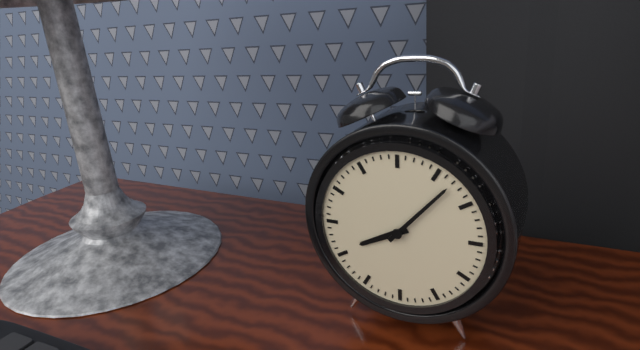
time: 8:07
